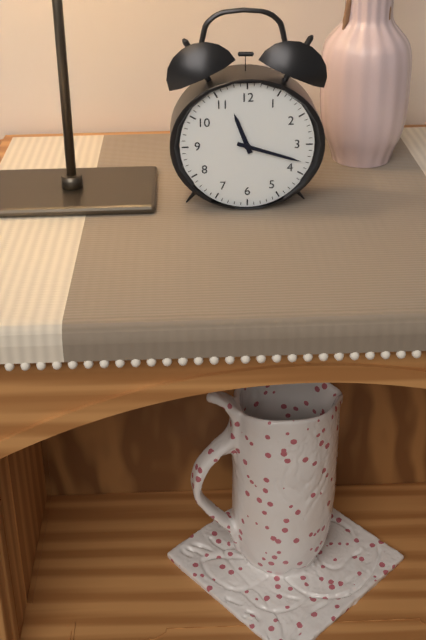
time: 11:18
